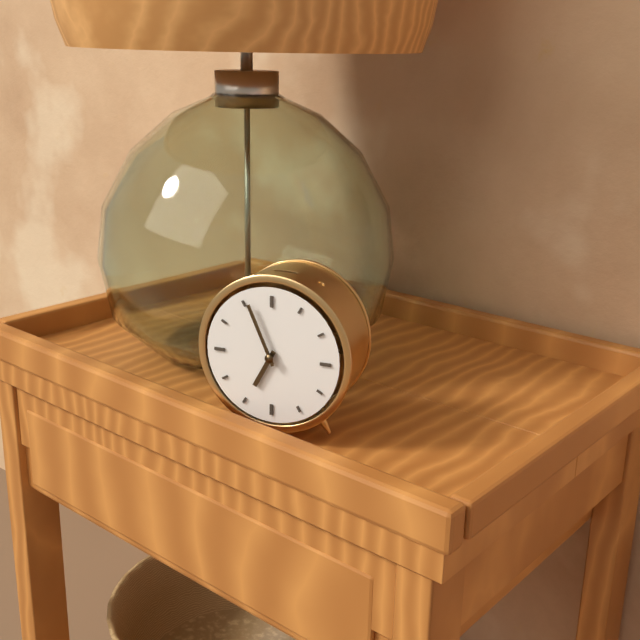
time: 6:56
